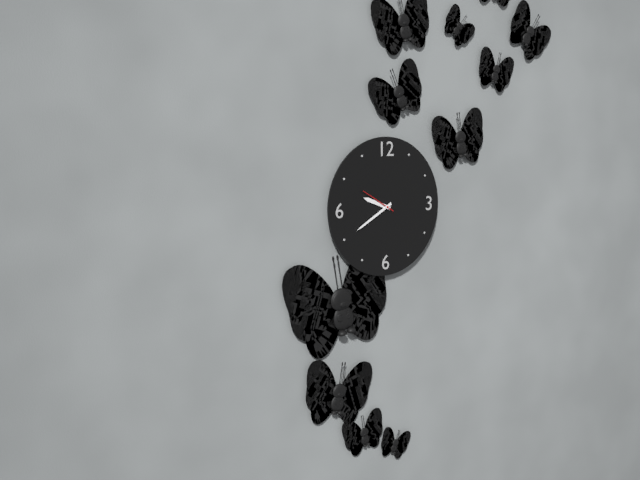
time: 9:40
